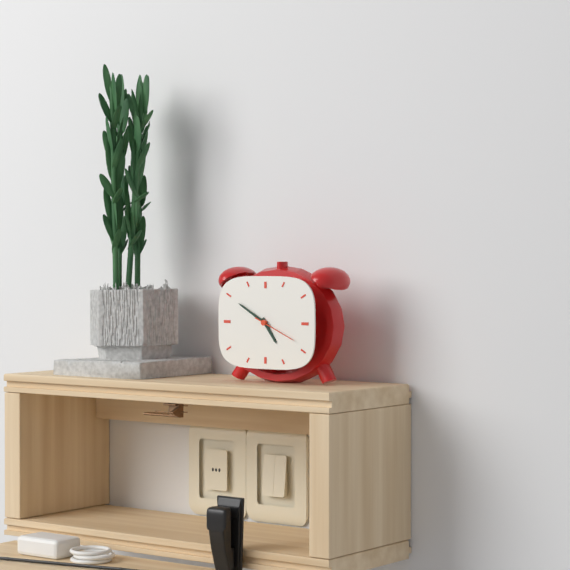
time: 4:50
